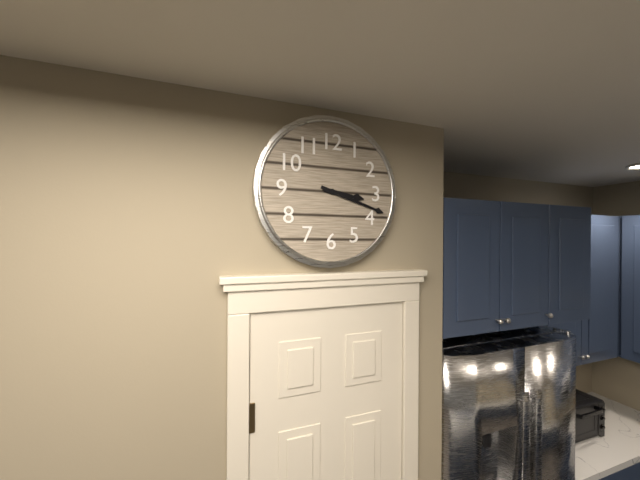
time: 3:18
